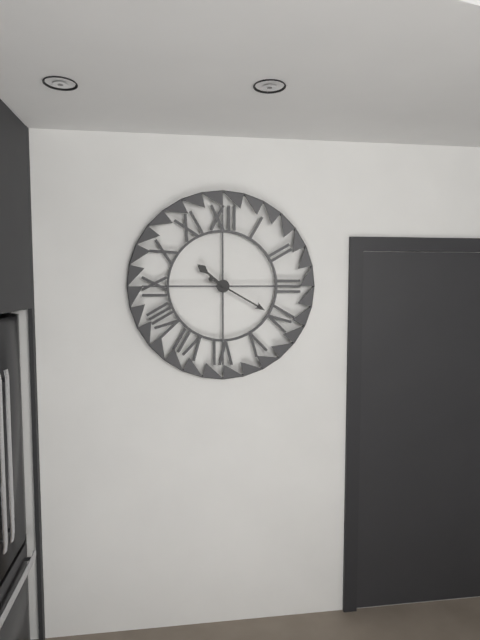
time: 10:20
